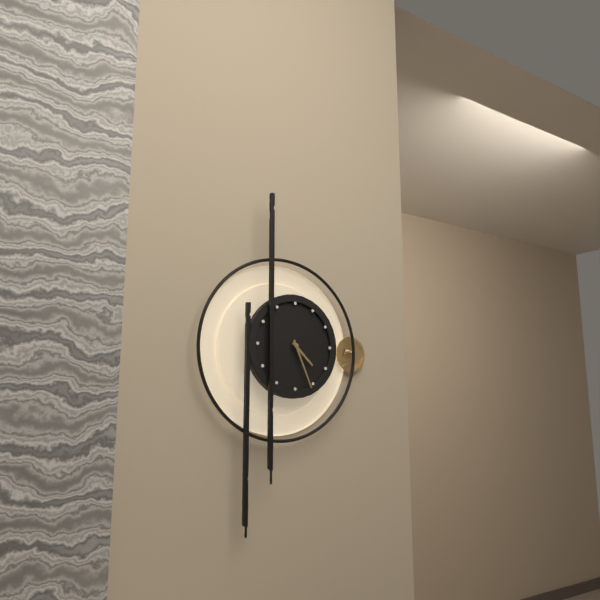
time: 4:26
